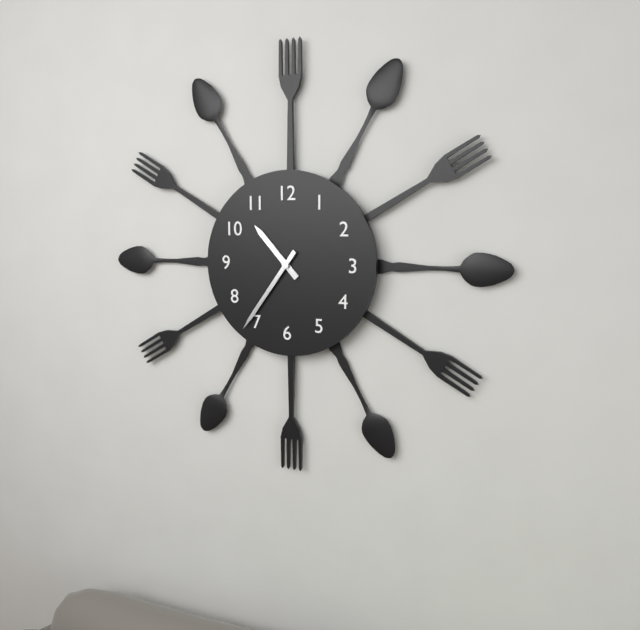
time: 10:36
